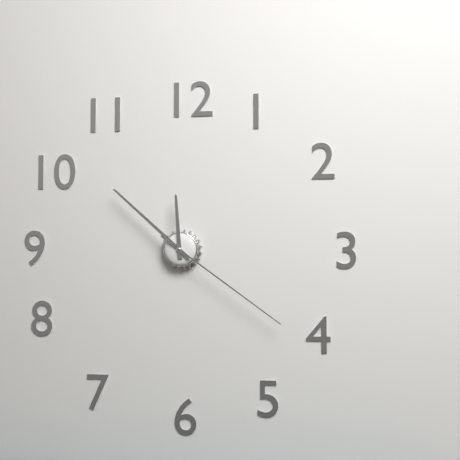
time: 11:52:21
